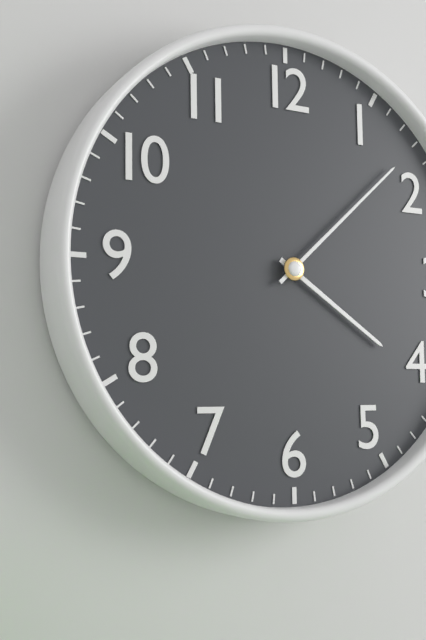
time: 4:08
